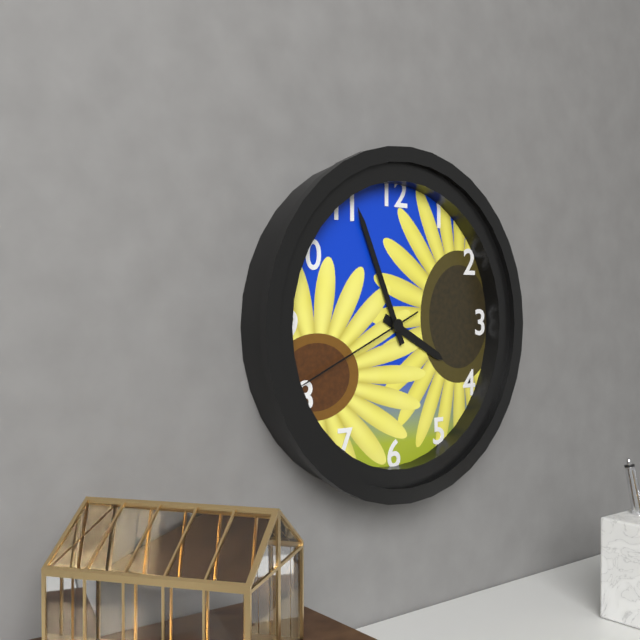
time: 3:56:41
